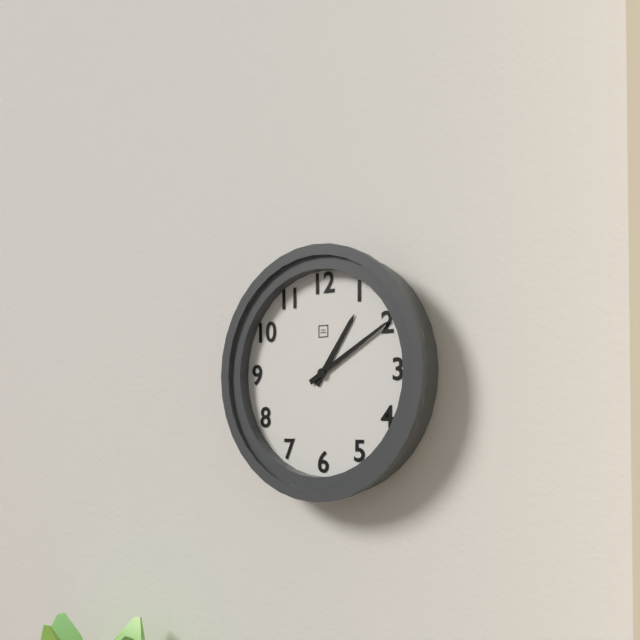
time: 1:10
